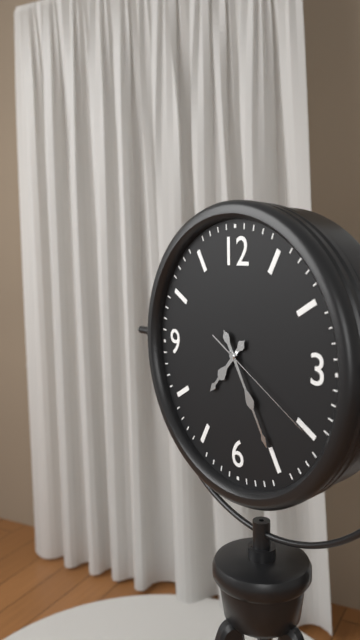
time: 7:25:20
